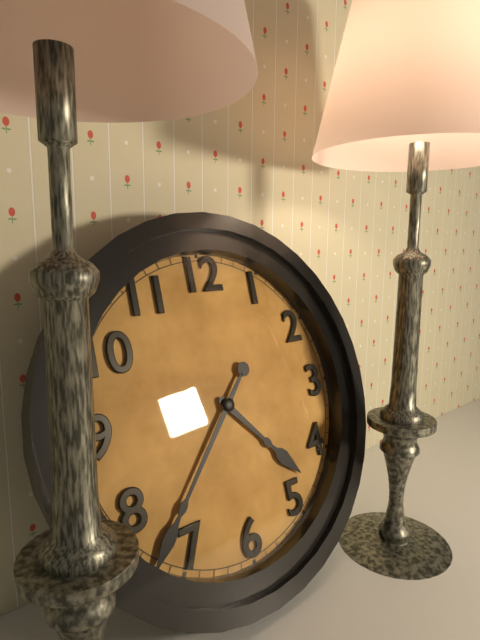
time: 4:37
